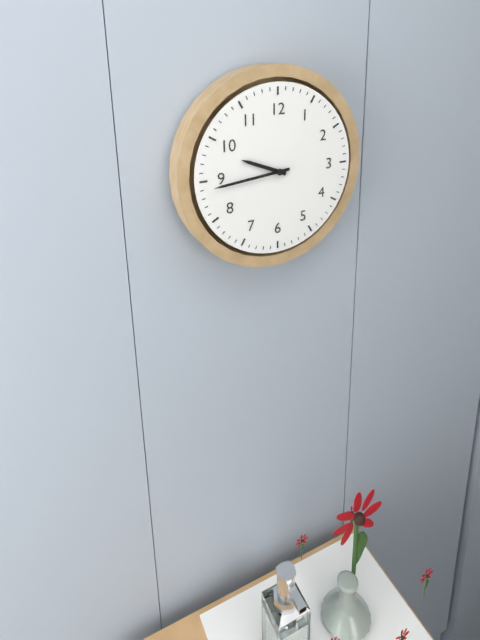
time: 9:44
